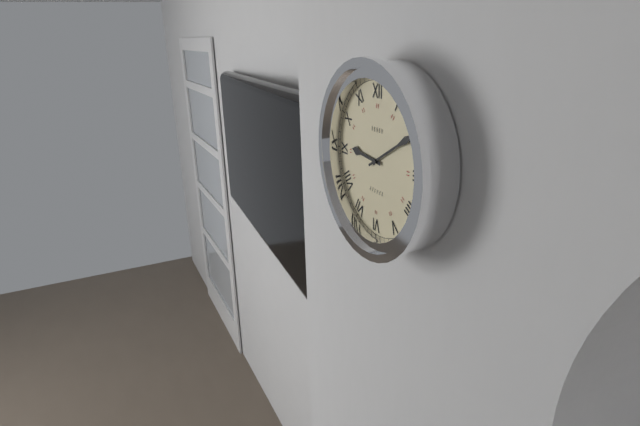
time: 9:10
